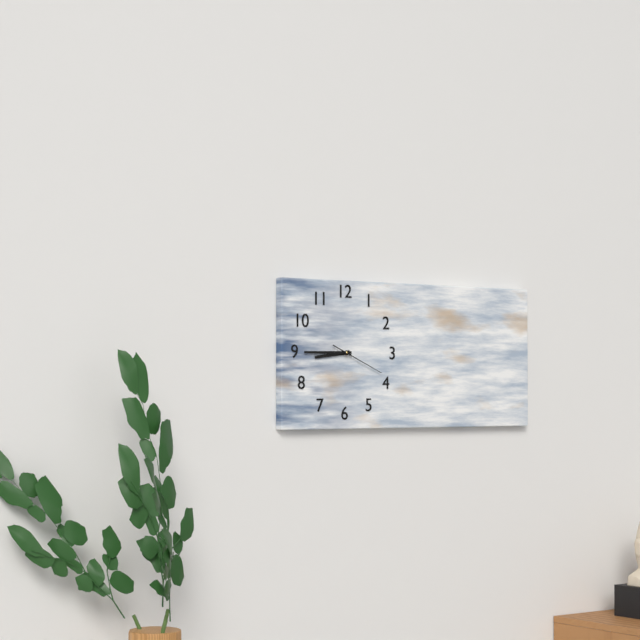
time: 8:45:19
